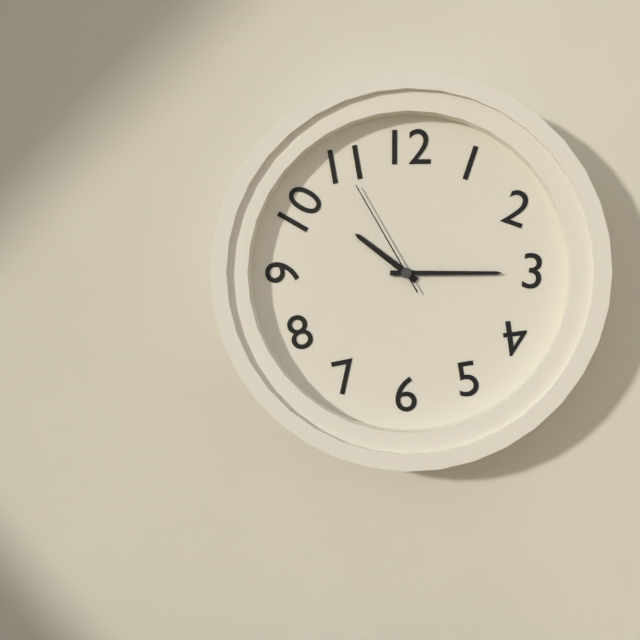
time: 10:15:55
